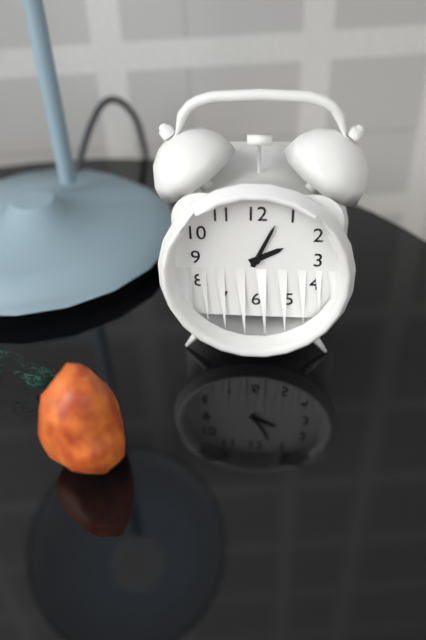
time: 2:04
